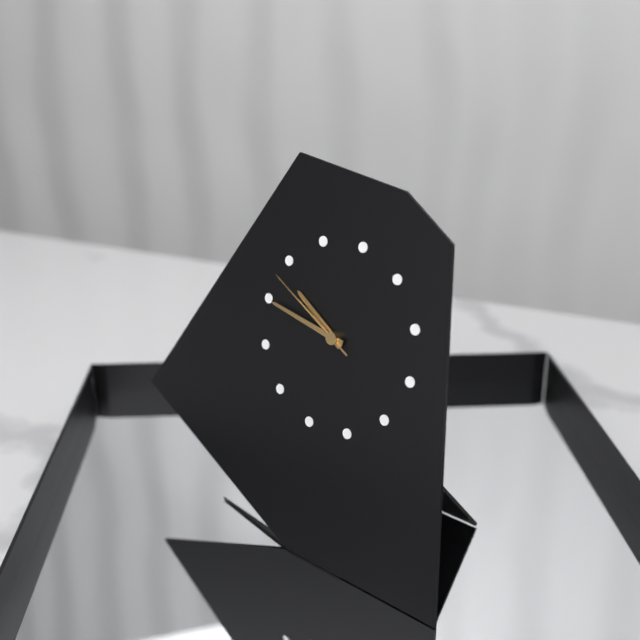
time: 9:45:48
